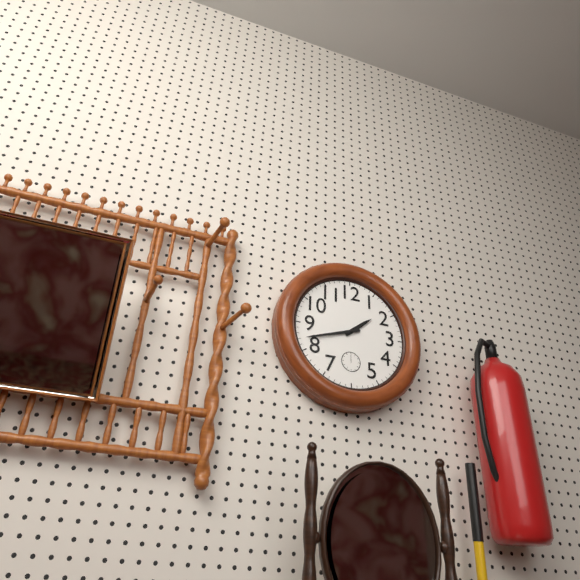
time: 1:42
